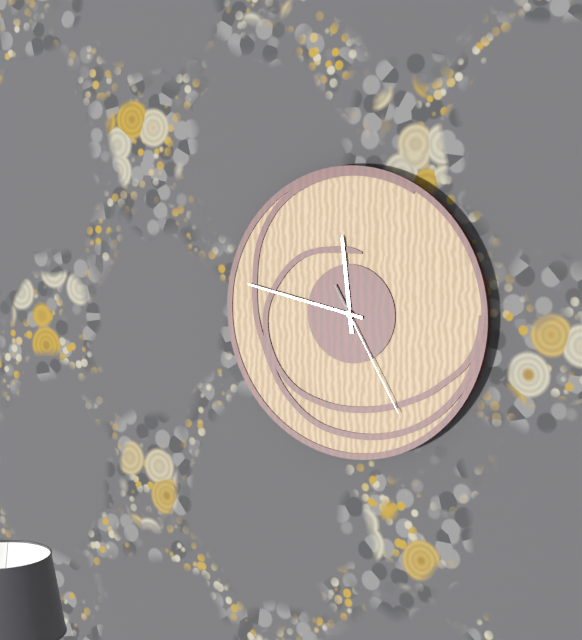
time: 11:47:25
